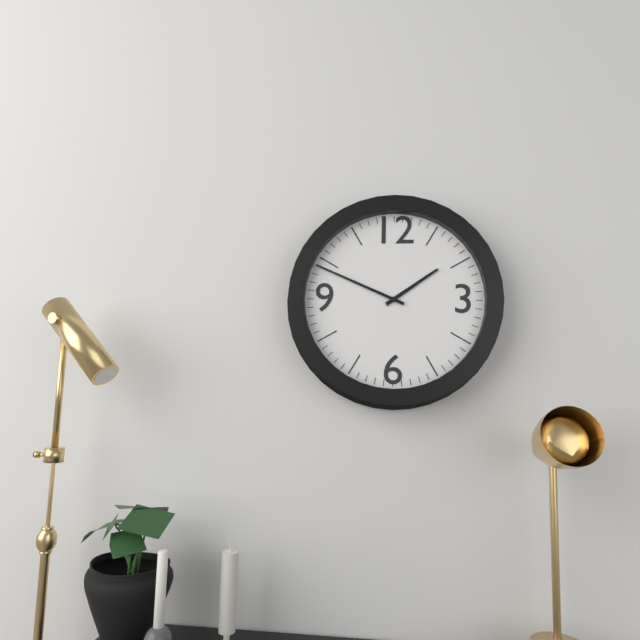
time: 1:49
